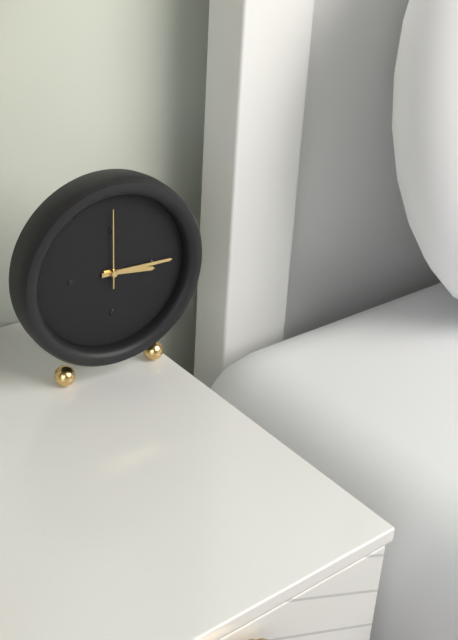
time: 3:15:00
